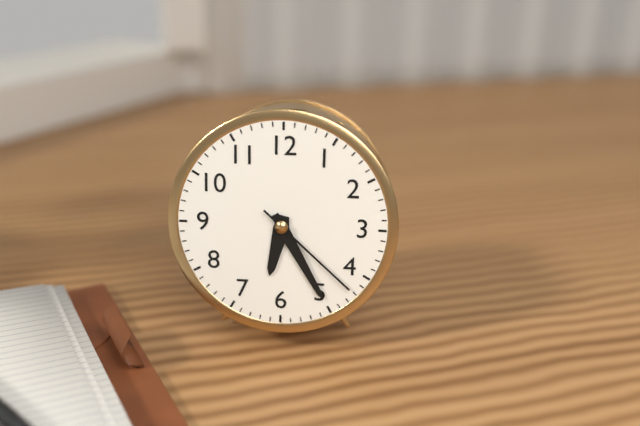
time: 6:25:22
